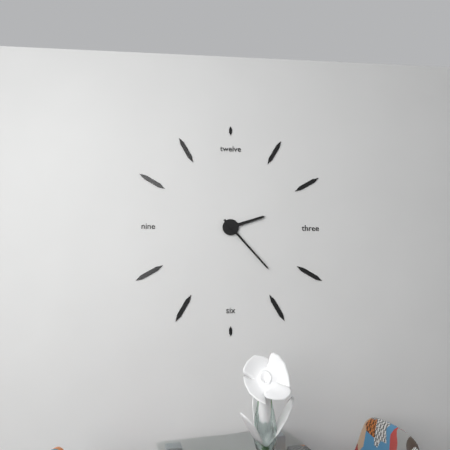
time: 2:23
